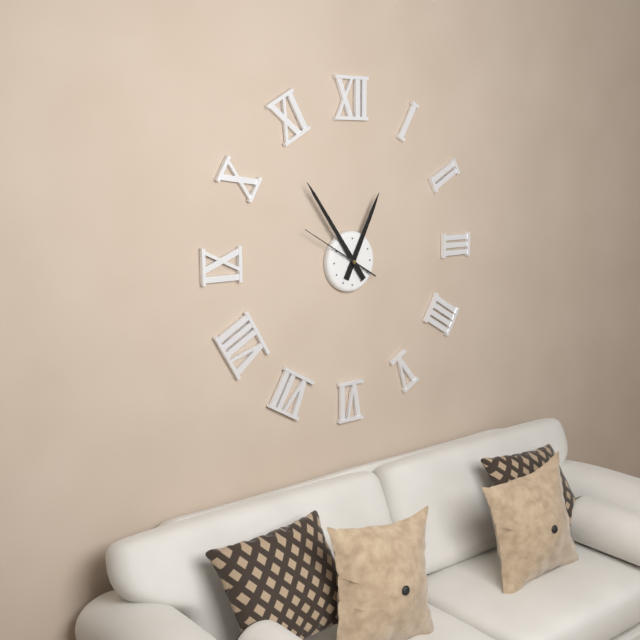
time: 12:54:50
